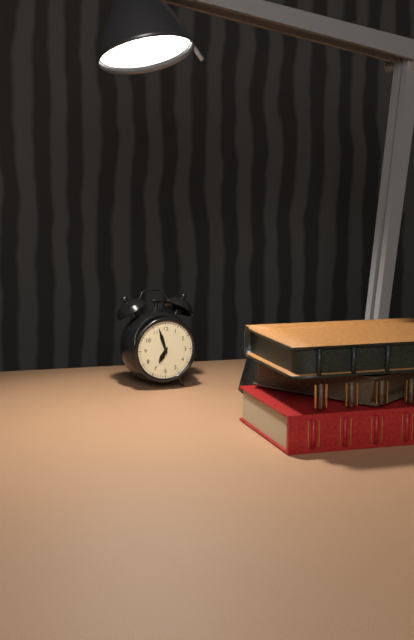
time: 6:57
